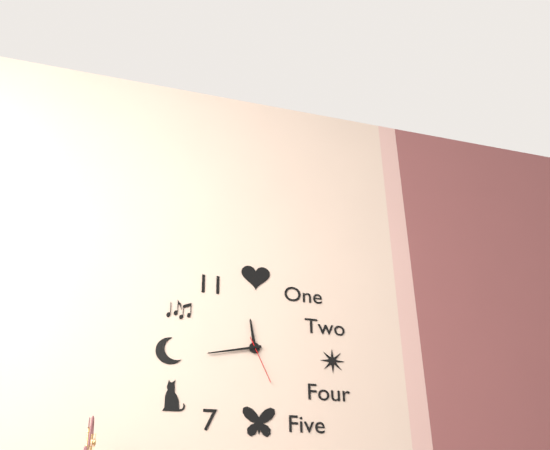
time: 11:43
